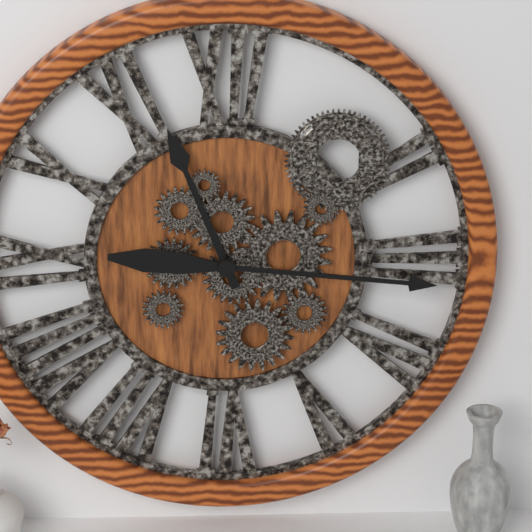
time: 11:16
